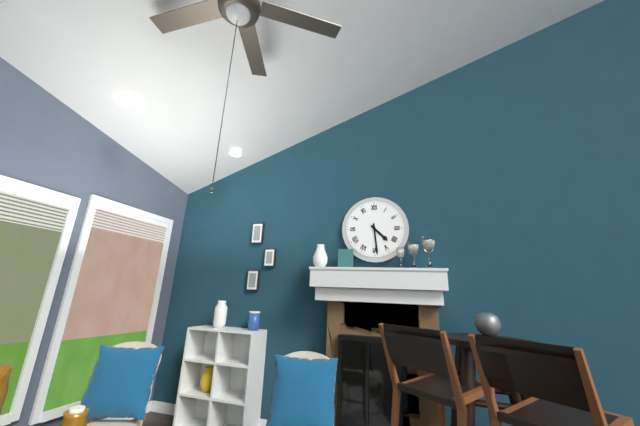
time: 4:29
